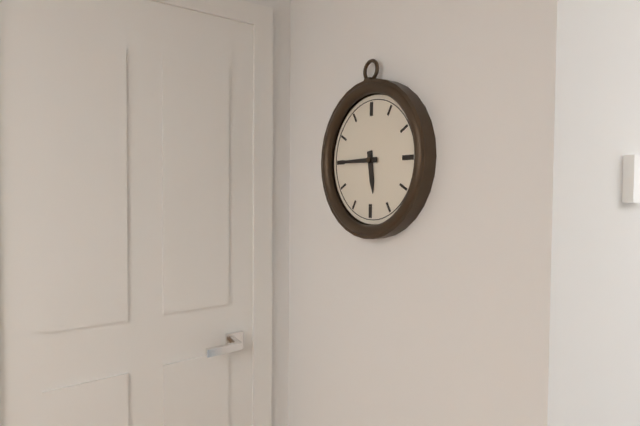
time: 5:45
